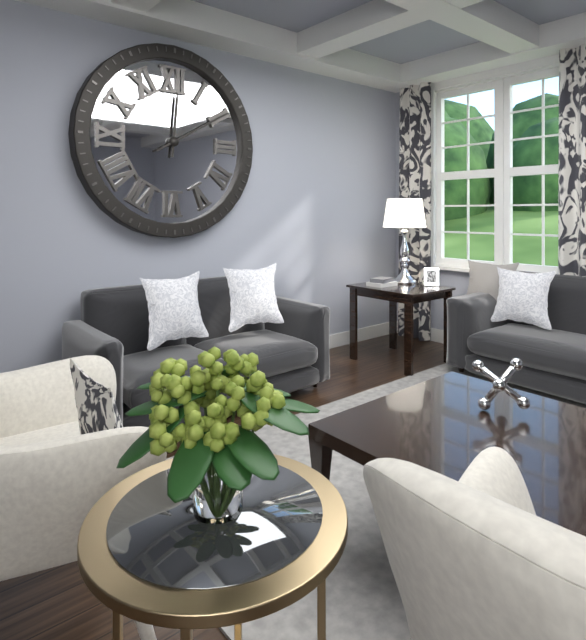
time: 12:10
